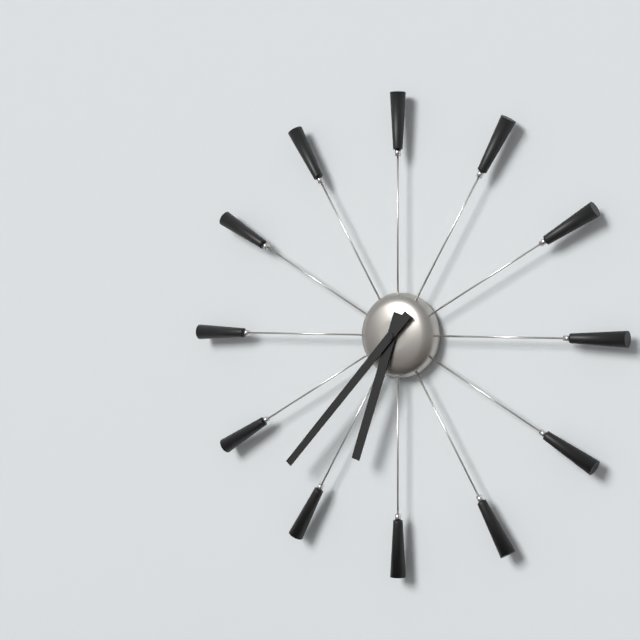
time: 6:37
